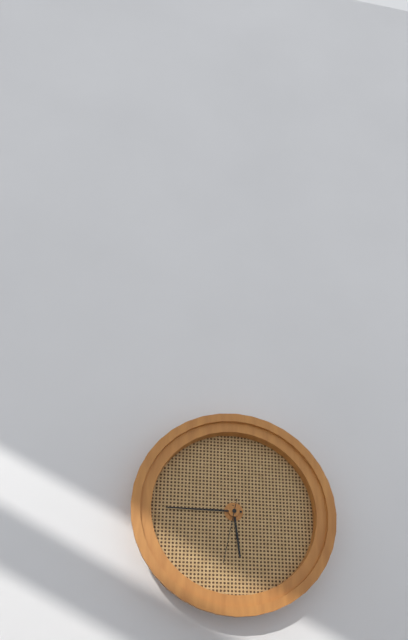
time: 5:45:32
